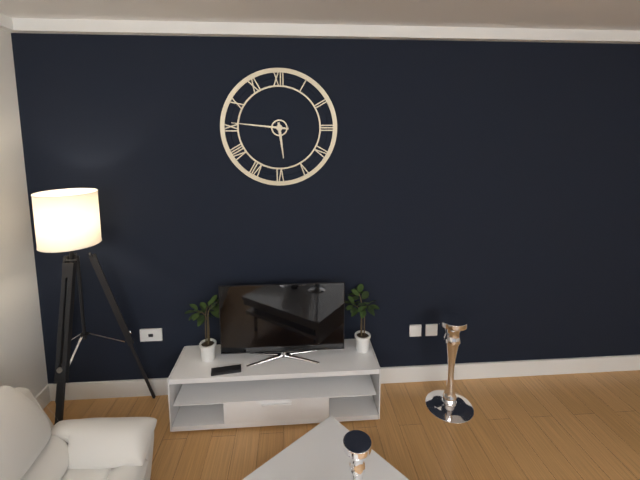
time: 5:46
